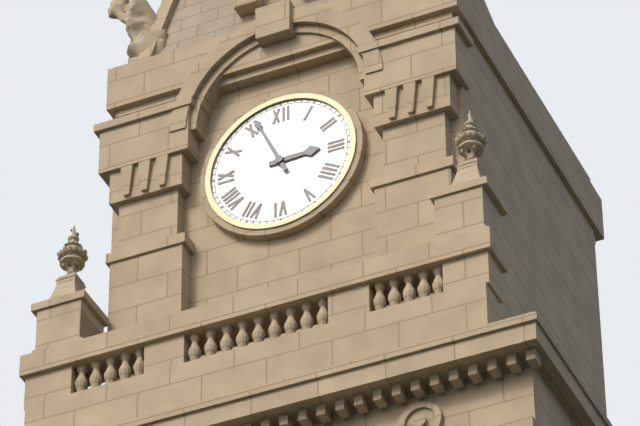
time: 2:56
